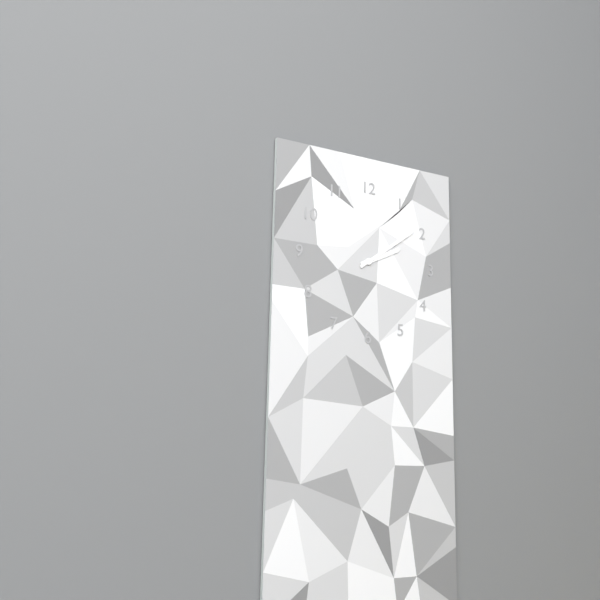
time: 2:09
